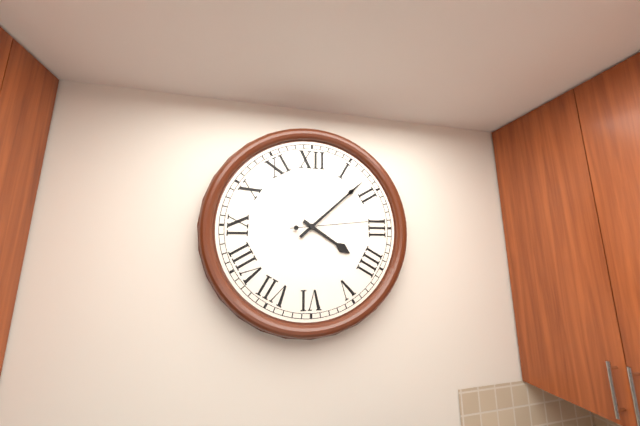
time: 4:08:14
